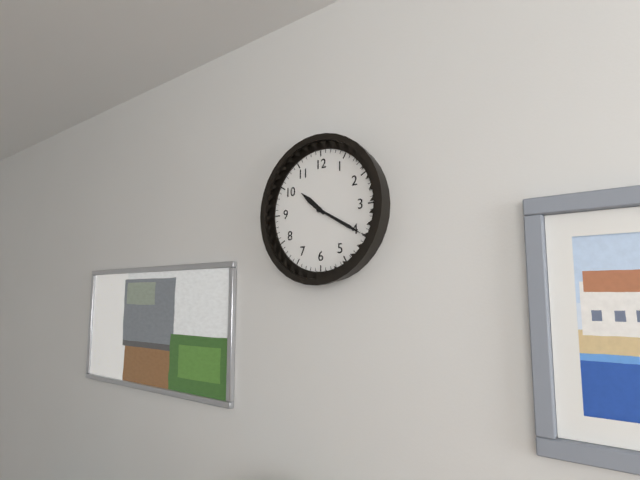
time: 10:20
